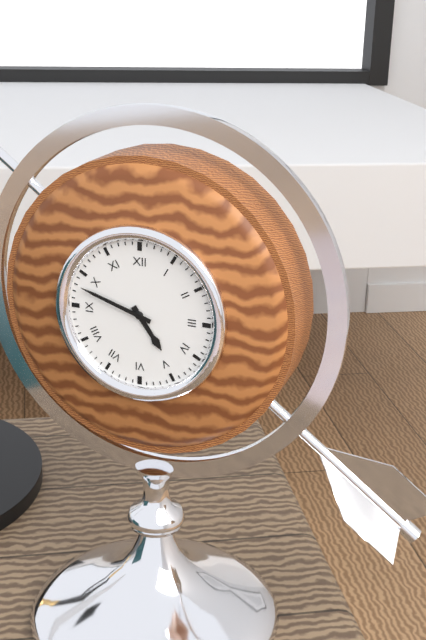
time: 4:48
